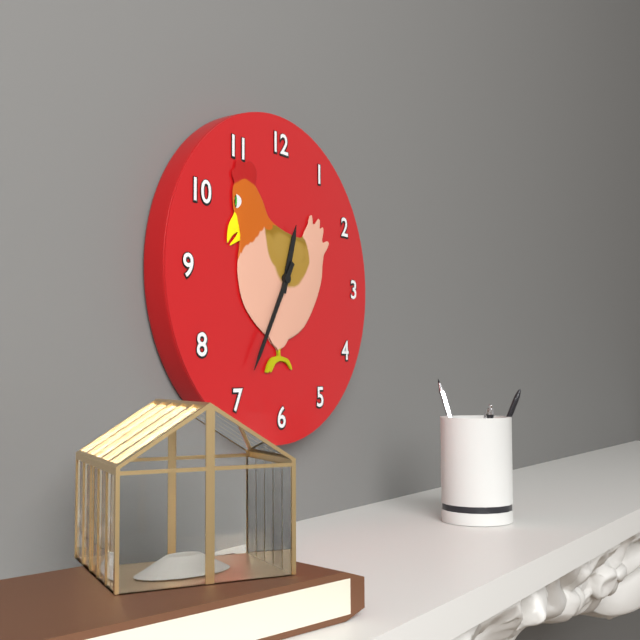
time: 12:35
